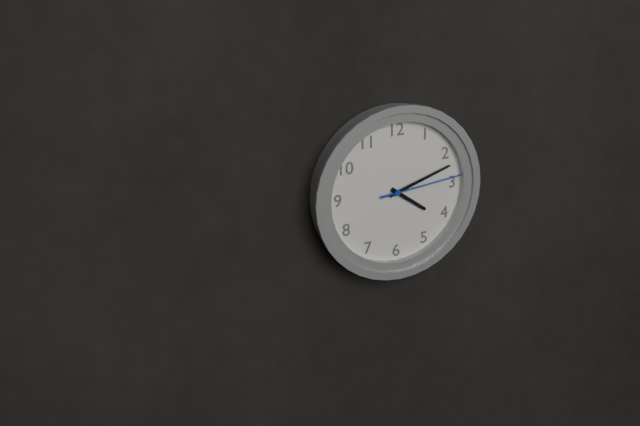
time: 4:12:14
